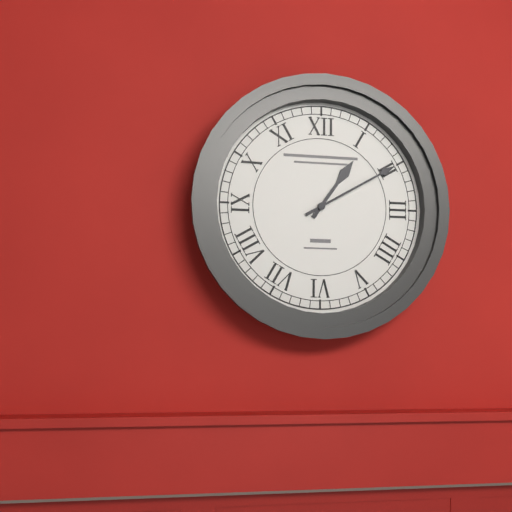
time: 1:10
